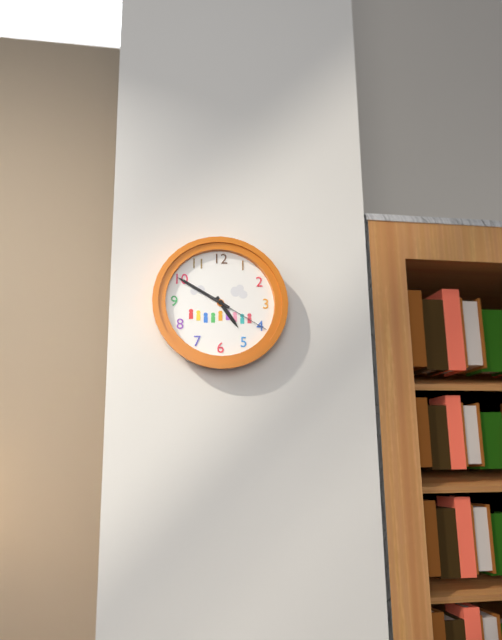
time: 4:50:20
